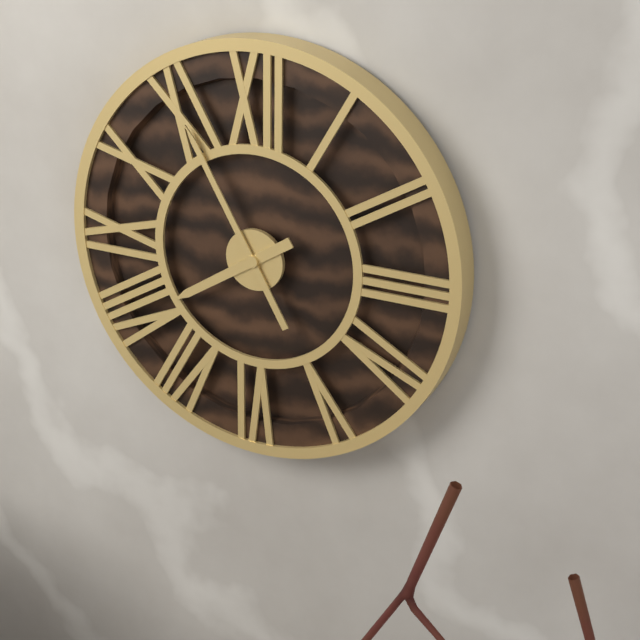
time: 7:55
